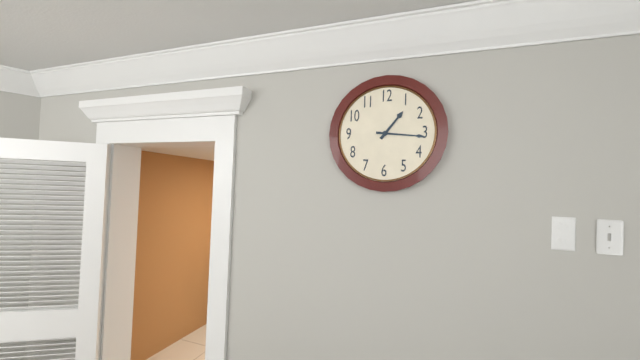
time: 1:16
